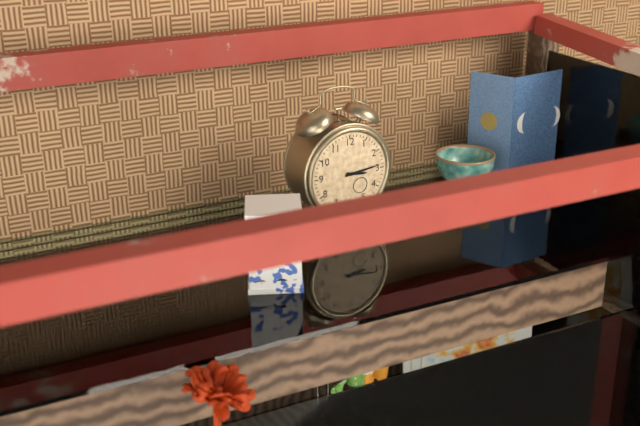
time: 3:14
